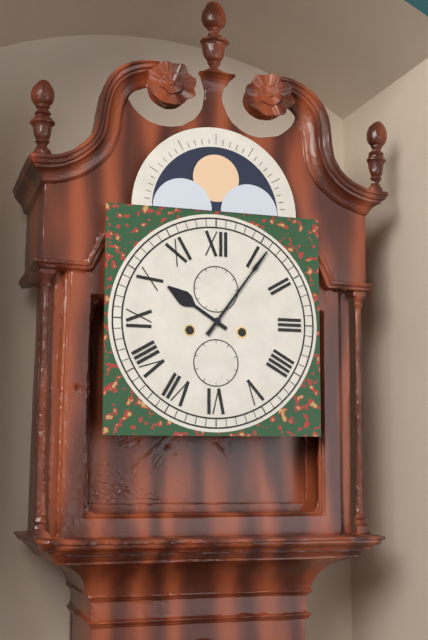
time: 10:06
